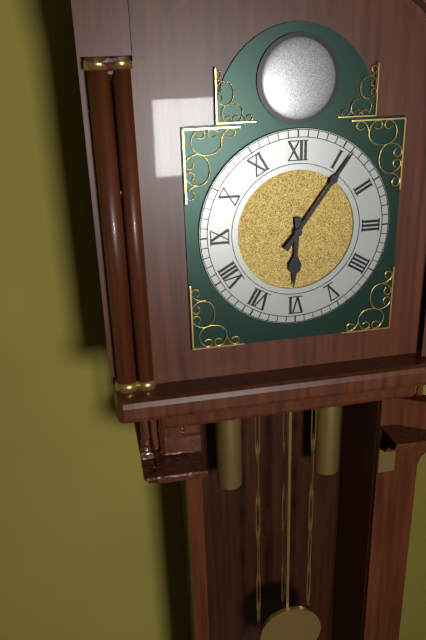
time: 6:06
